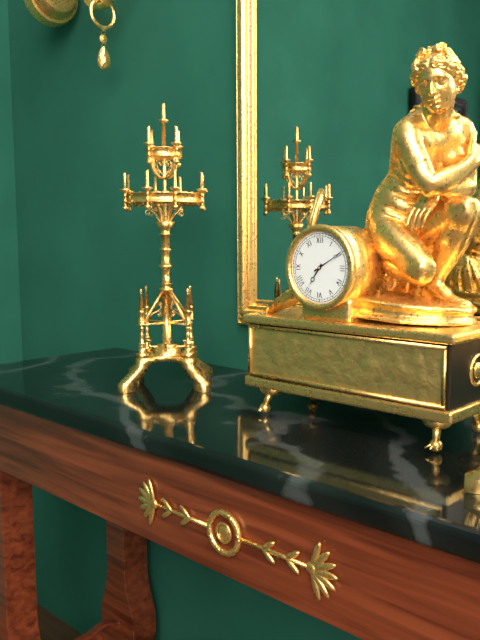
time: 7:10
